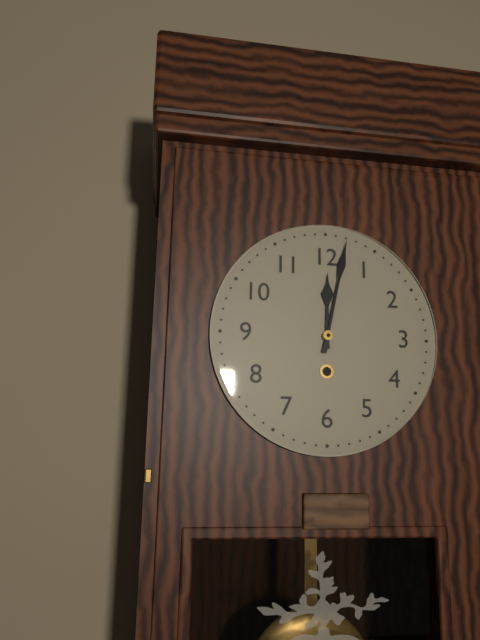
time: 12:02
